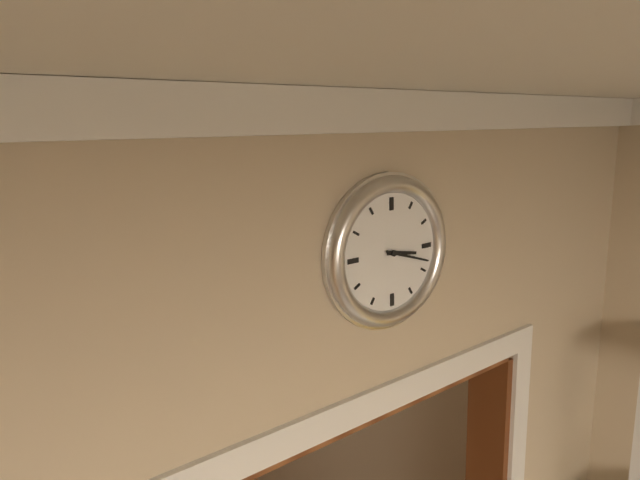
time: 3:18
